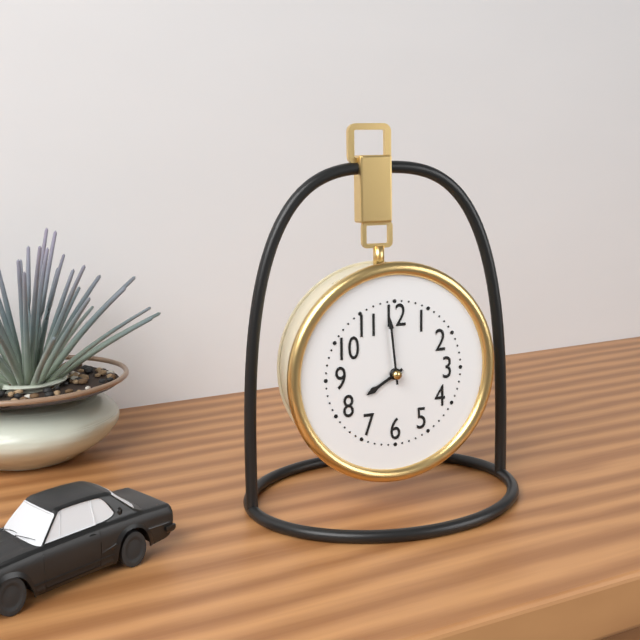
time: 7:59
